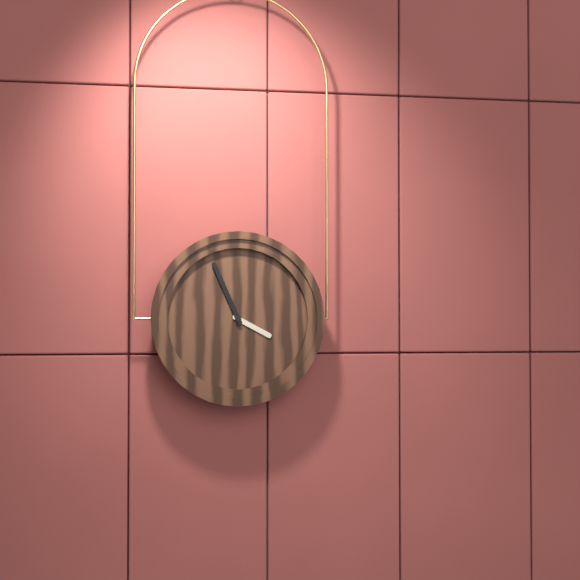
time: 3:56
